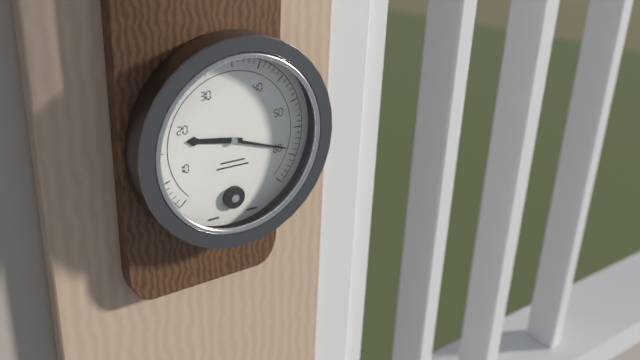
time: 9:18
